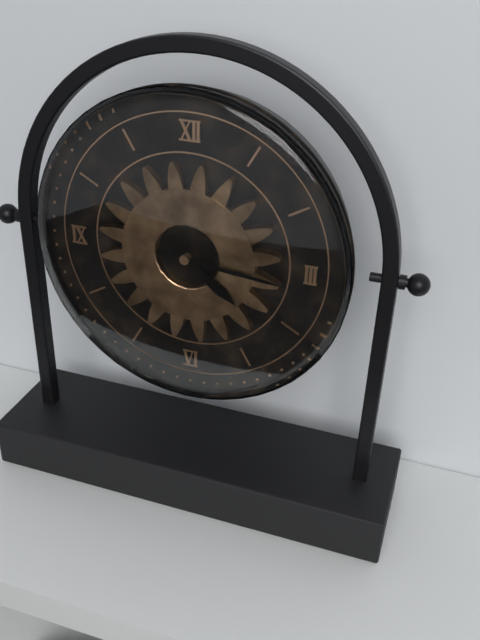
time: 4:16
